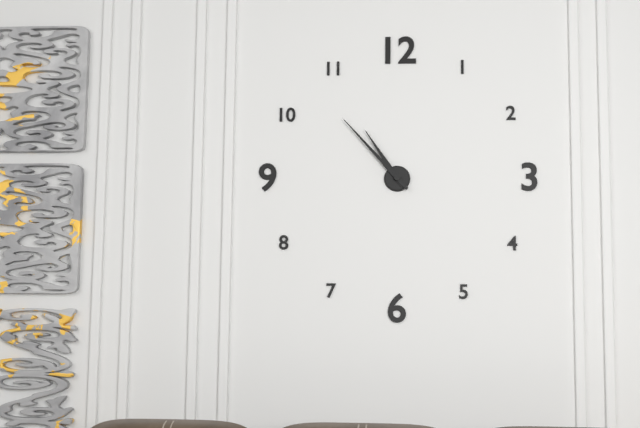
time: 10:53
